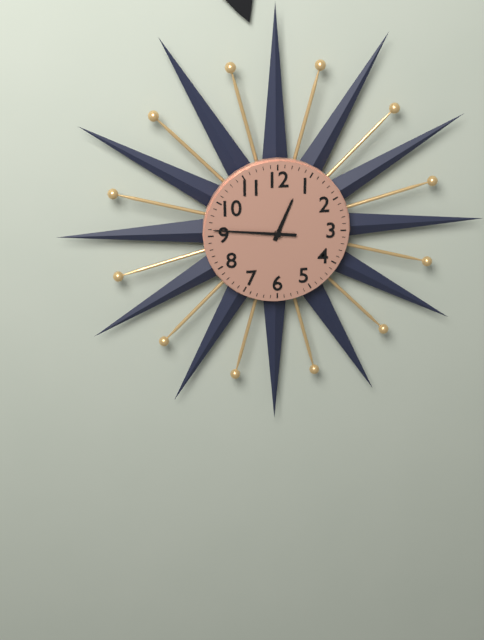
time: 12:46
